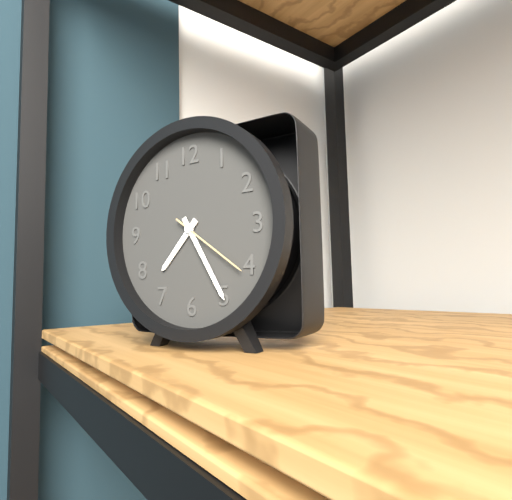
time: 7:25:21
